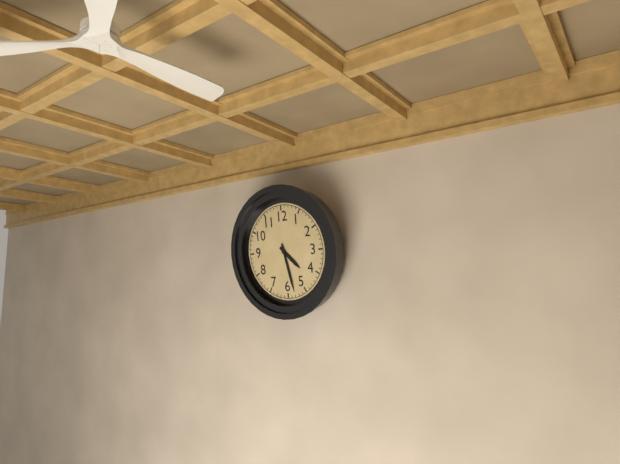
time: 4:28
